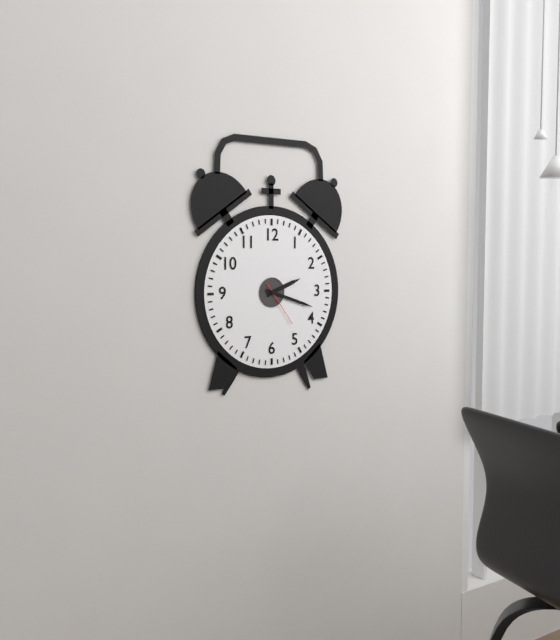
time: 2:18
